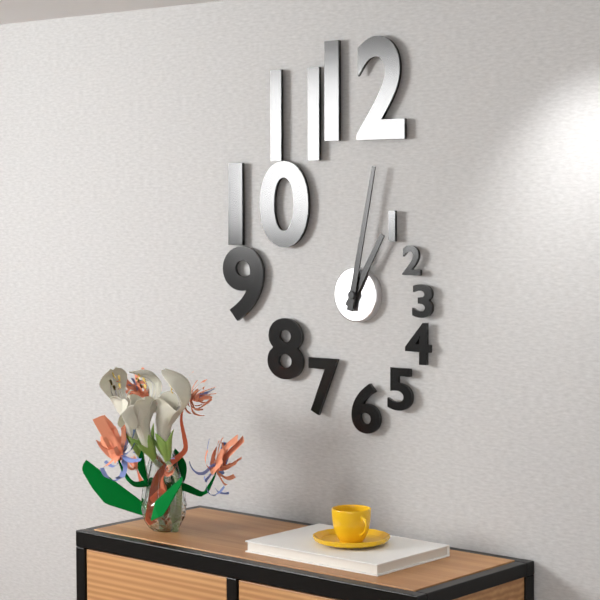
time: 1:02
